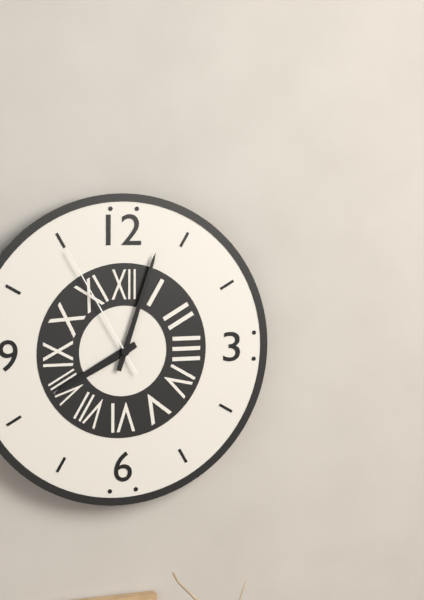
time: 8:03:55
